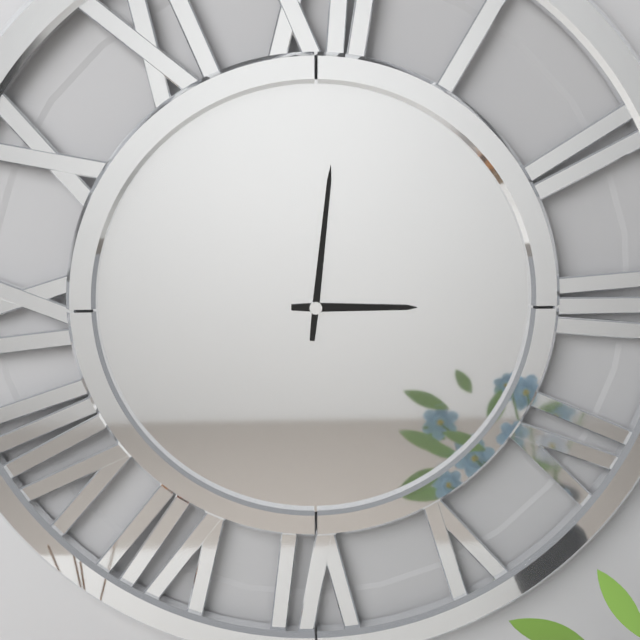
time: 3:01
